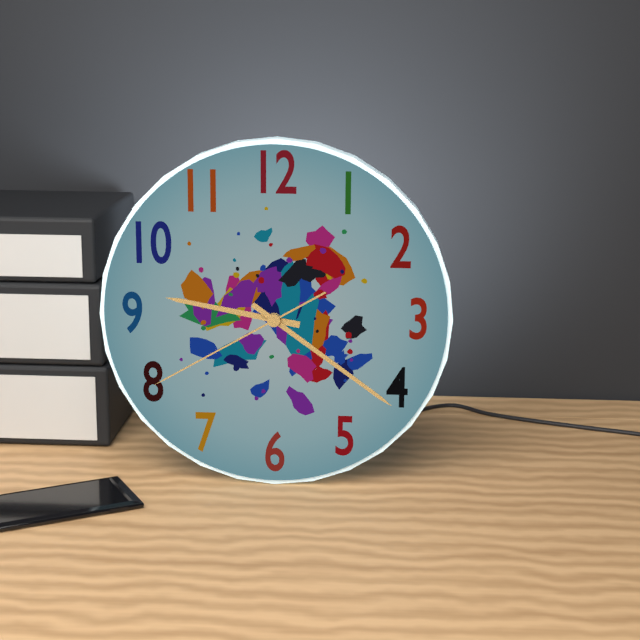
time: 9:21:40
